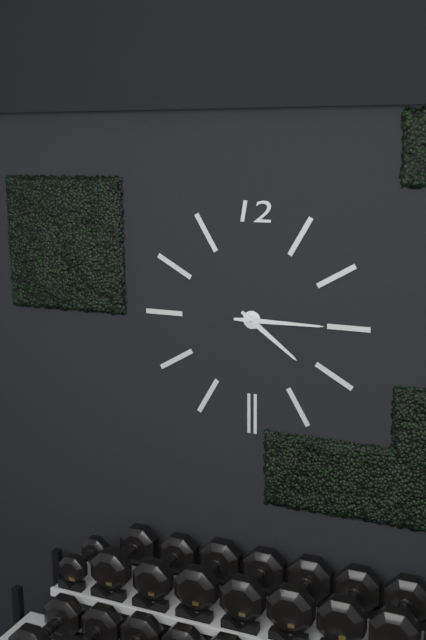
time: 4:15
